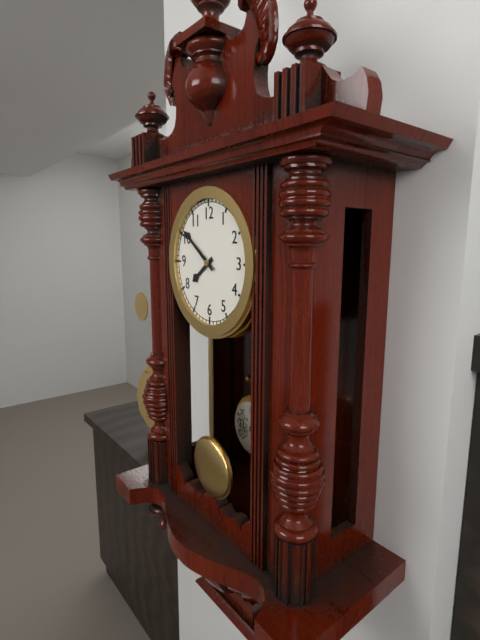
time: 7:51
